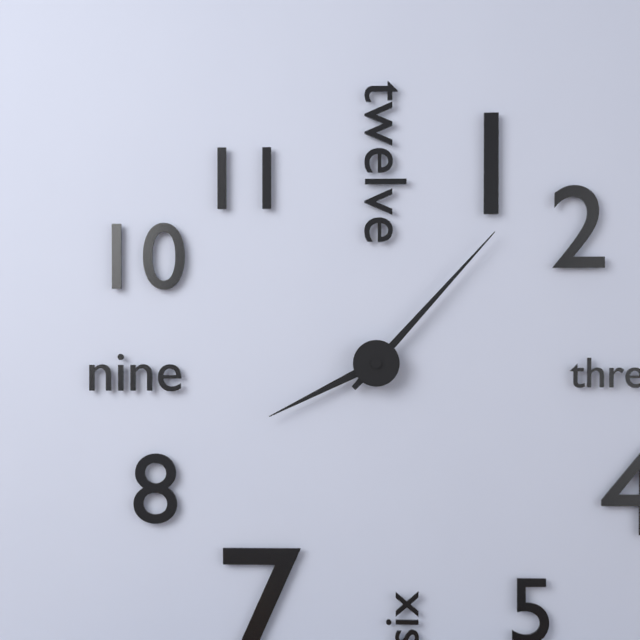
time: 8:07
